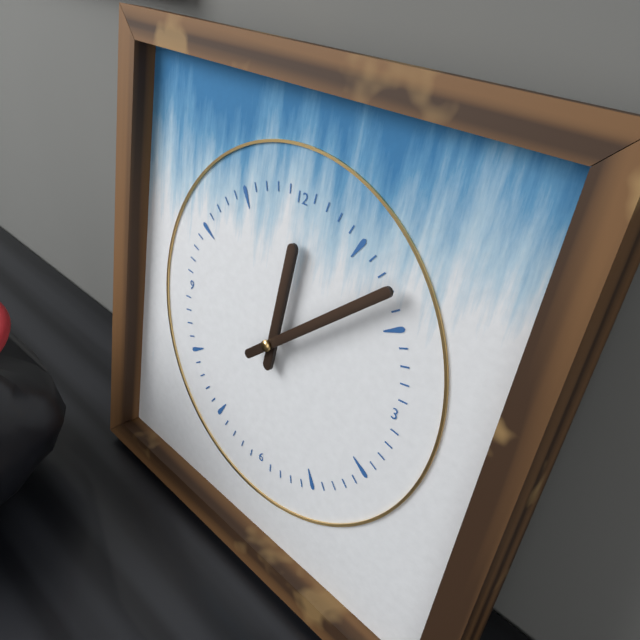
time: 12:08
